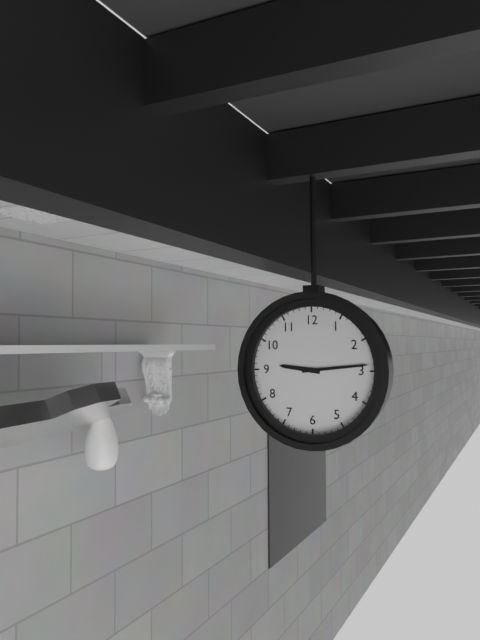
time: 9:14
